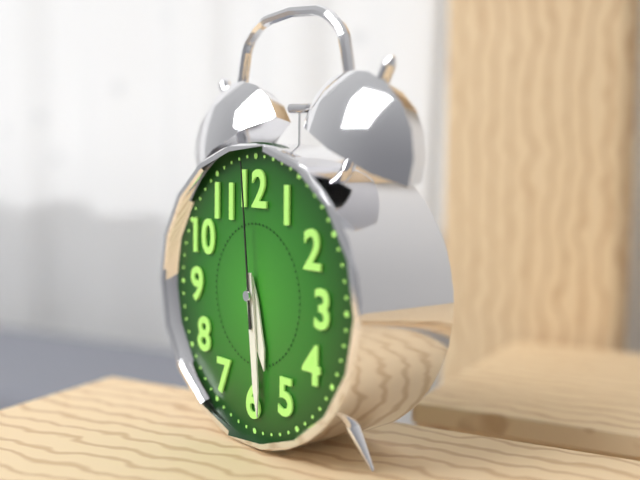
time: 5:29:59
